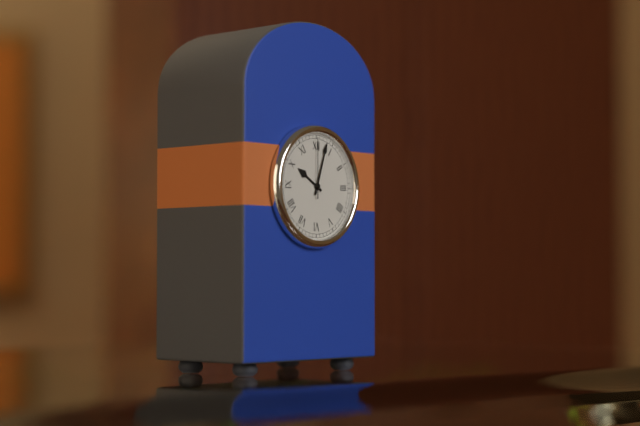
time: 10:03:00
